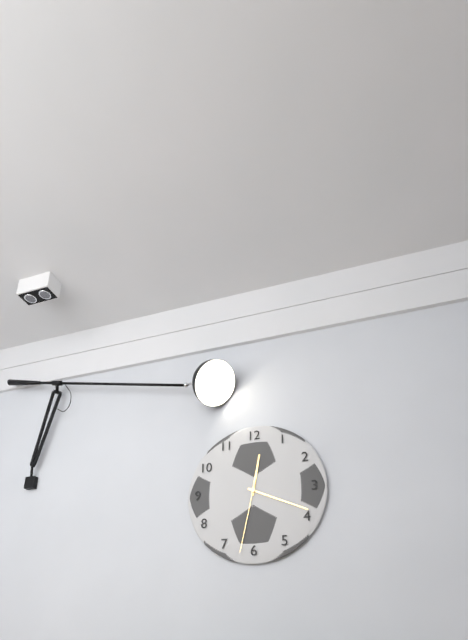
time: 12:19:32
